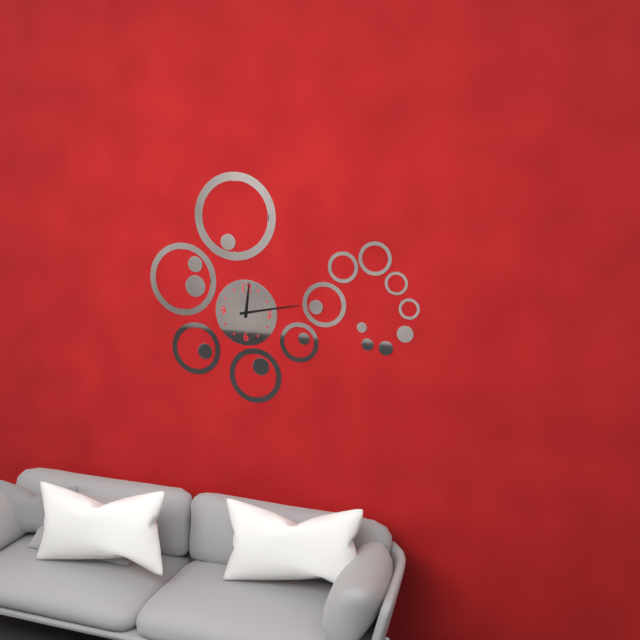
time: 12:13
